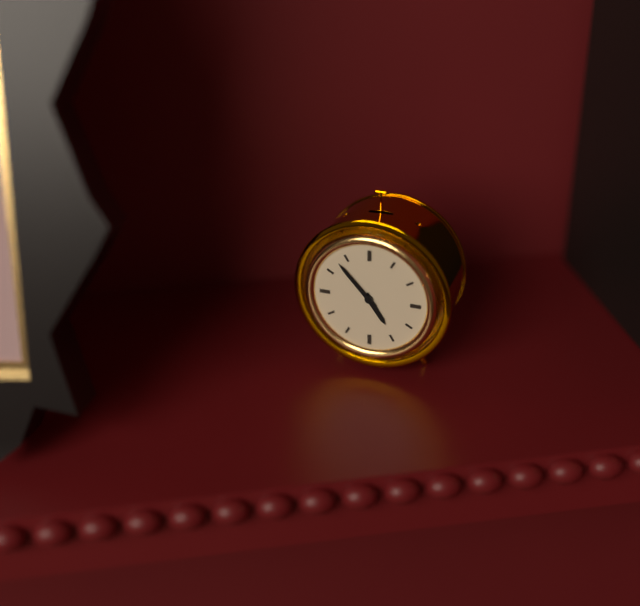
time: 4:53
